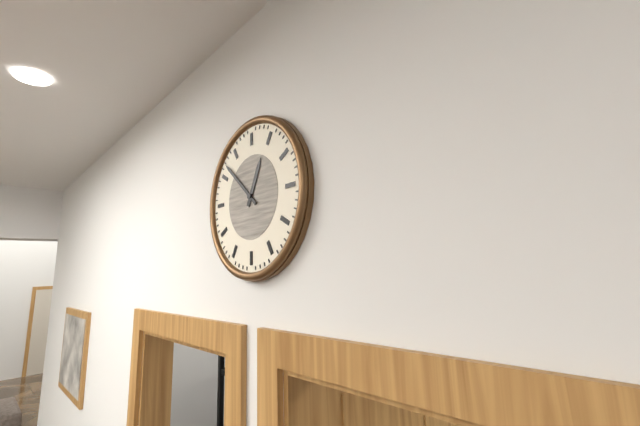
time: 12:52
